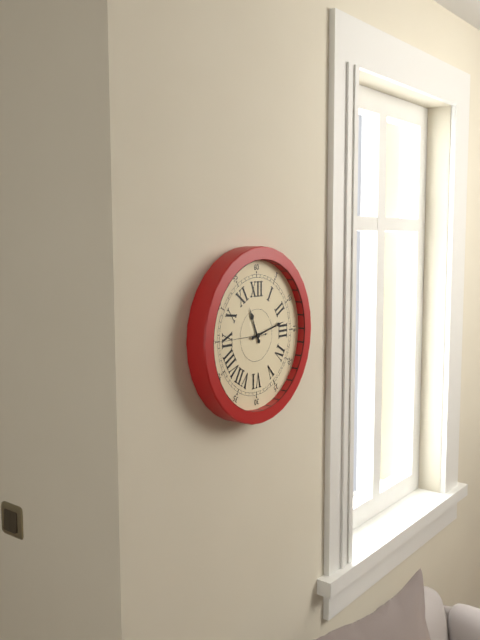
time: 11:13
